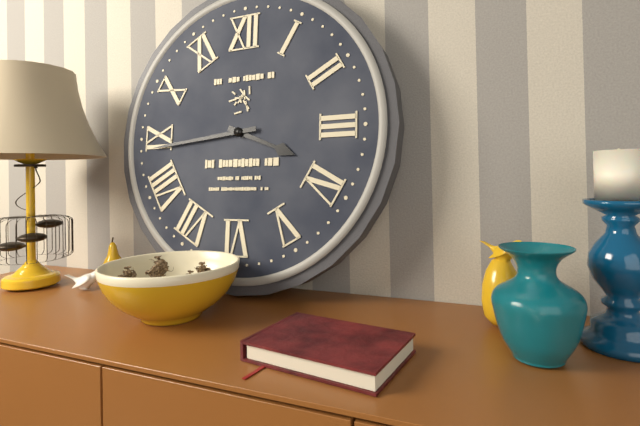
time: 3:44
